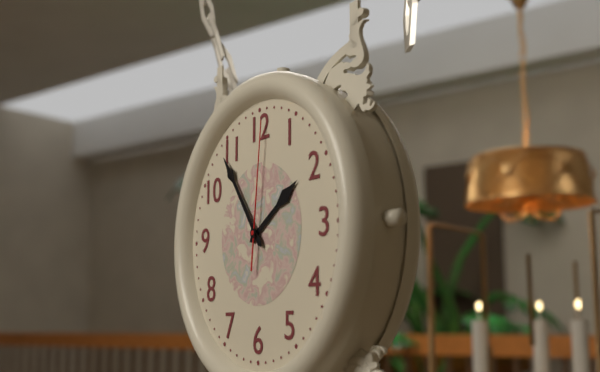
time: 1:54:01
